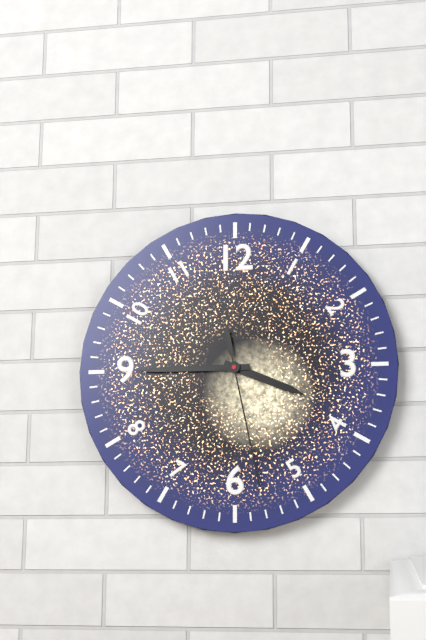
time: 3:45:28
